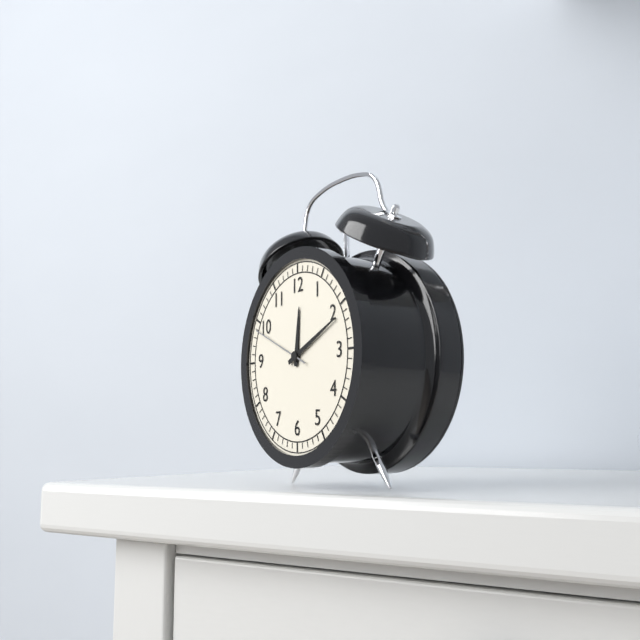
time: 12:11:49
